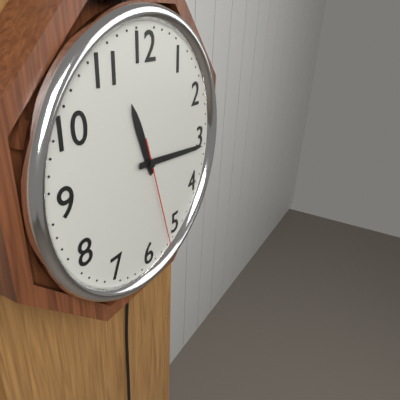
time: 11:16:27
